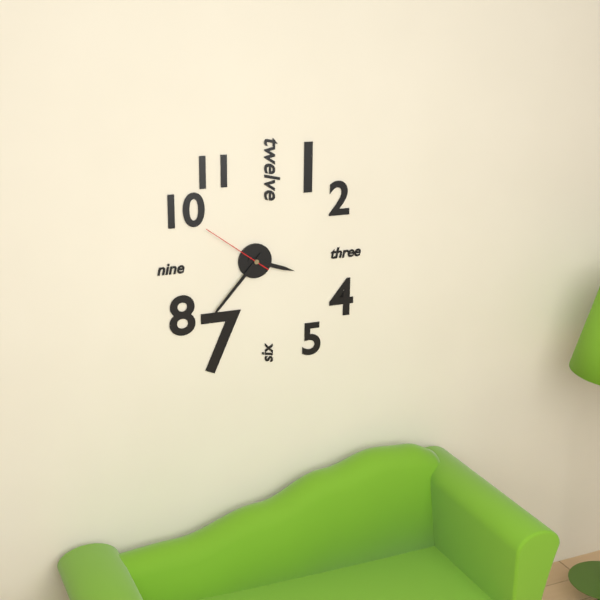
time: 3:37:51
